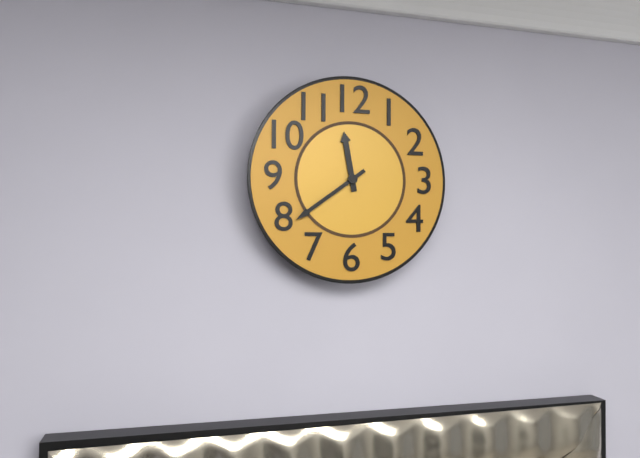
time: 11:39
